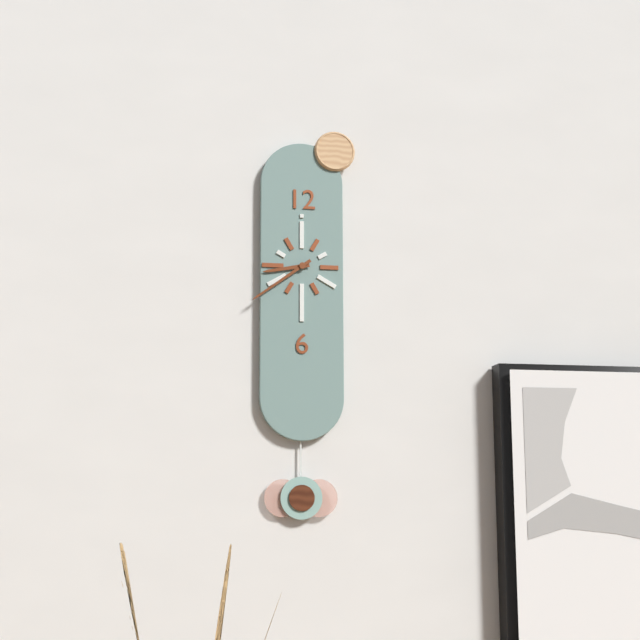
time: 8:39
